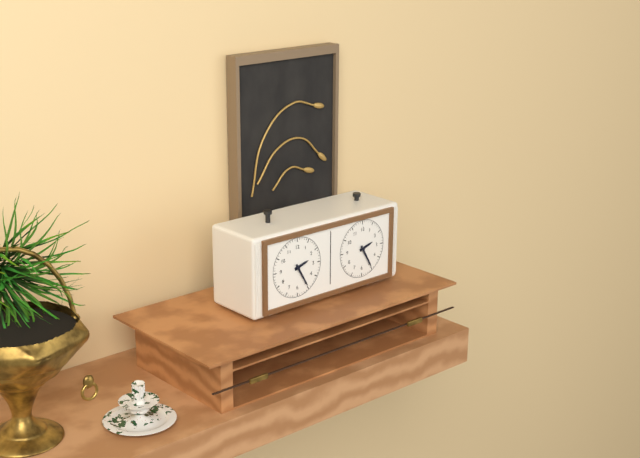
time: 2:25
